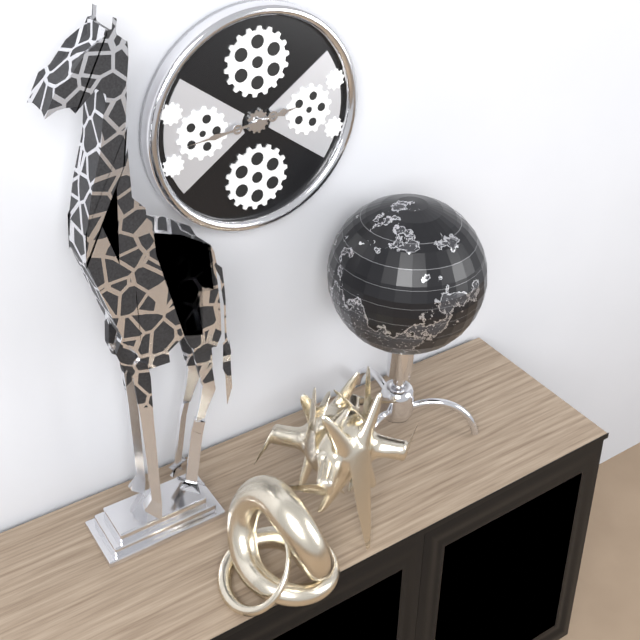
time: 2:44
